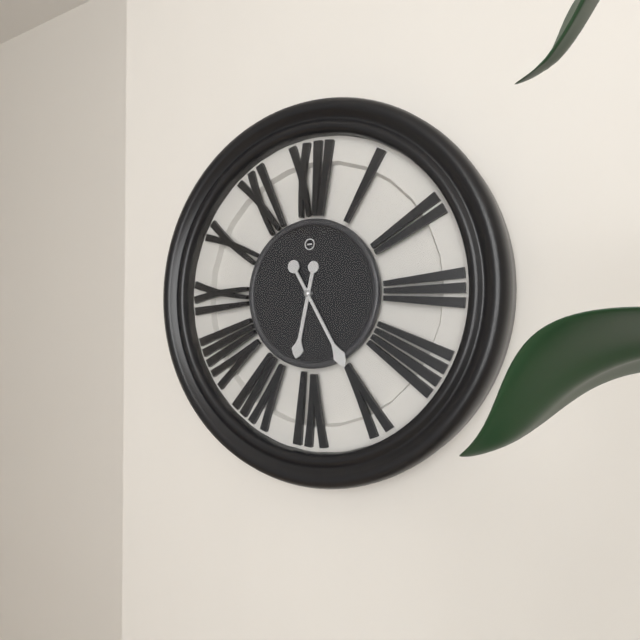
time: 6:25
